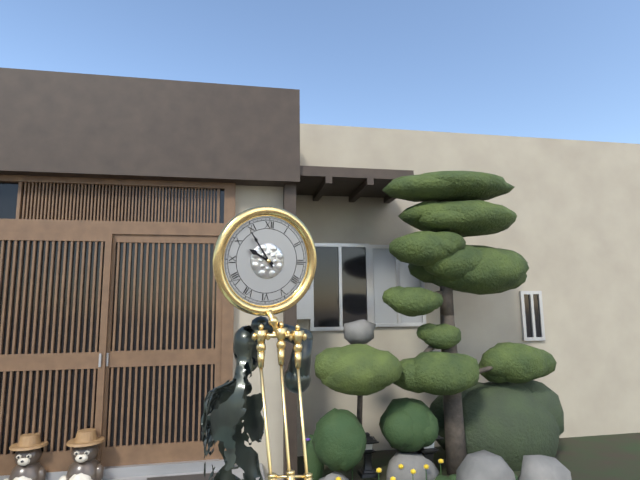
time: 9:54
